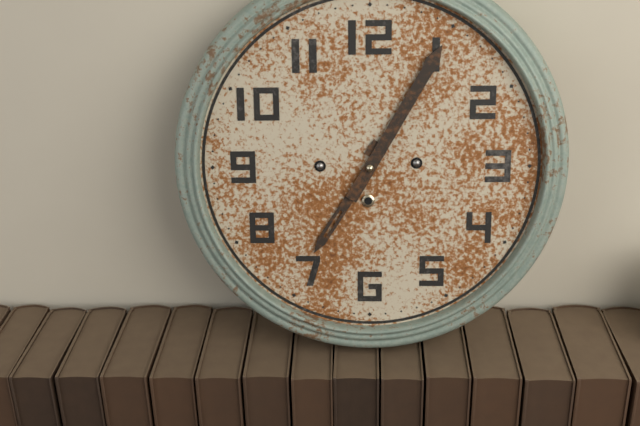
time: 7:05
